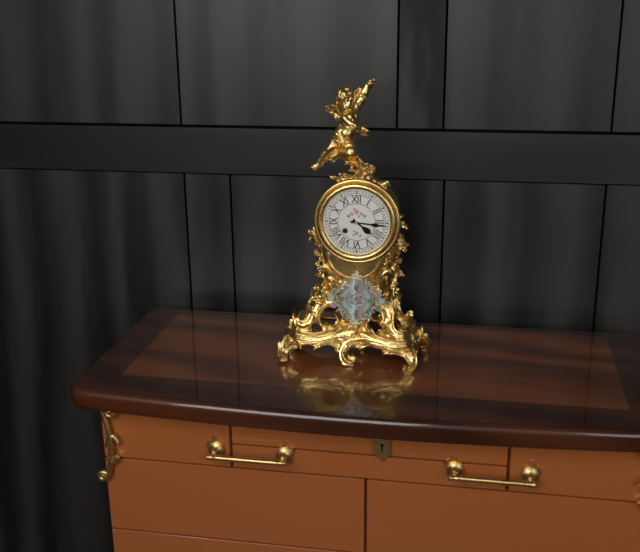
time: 4:16
